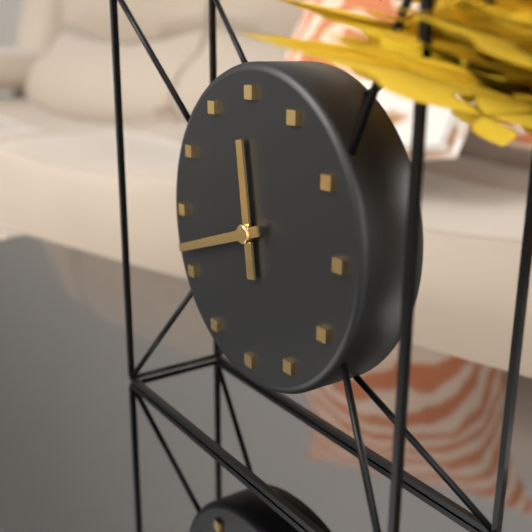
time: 11:42
